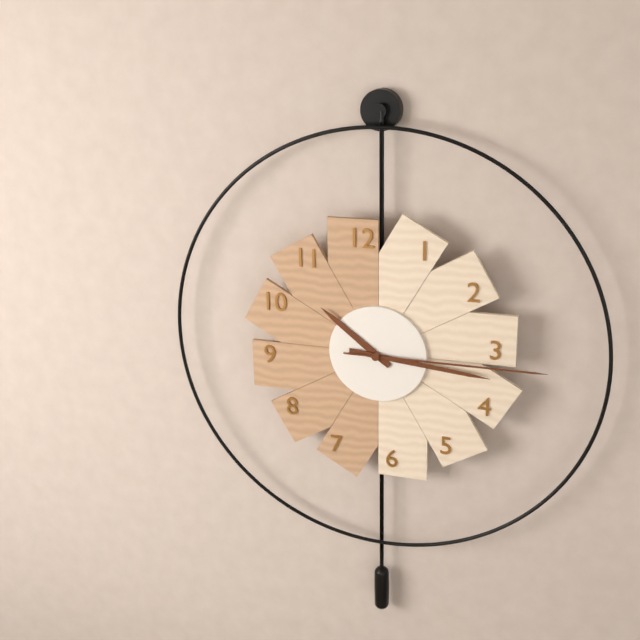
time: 10:16:15
